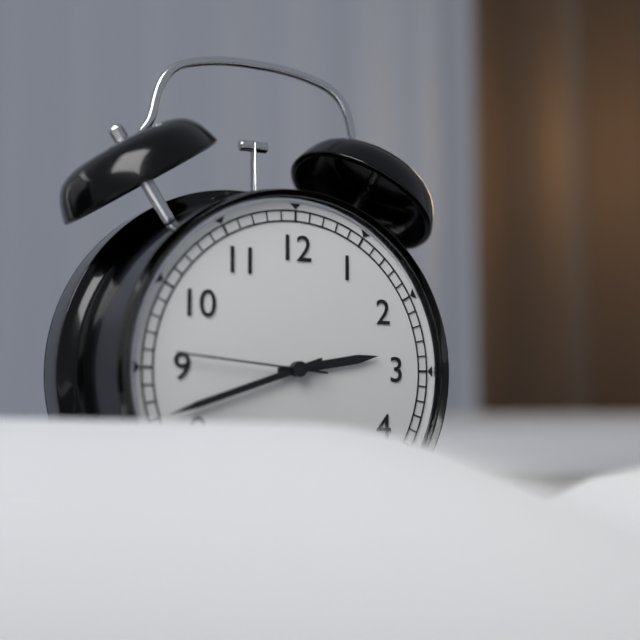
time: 2:42:46
